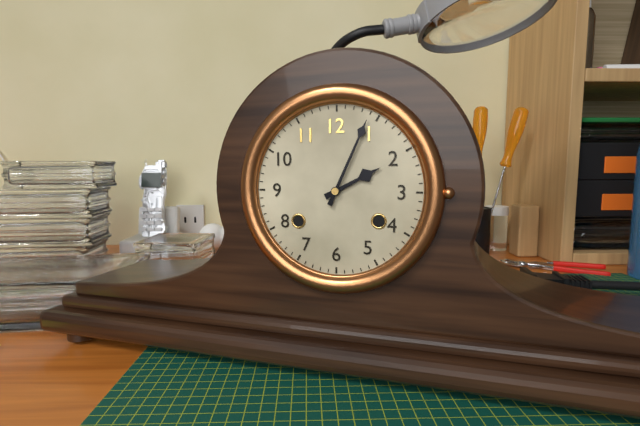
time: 2:04
